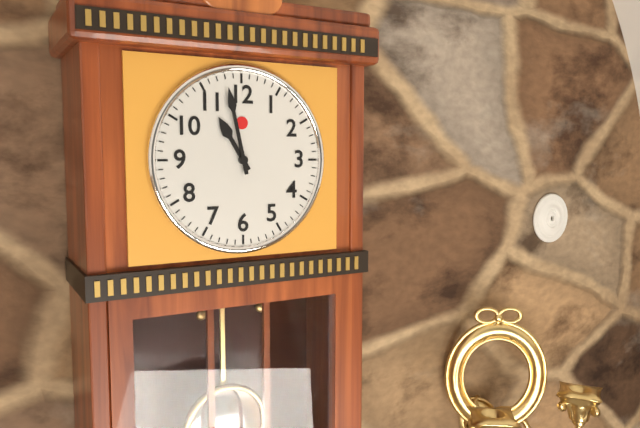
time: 10:58
